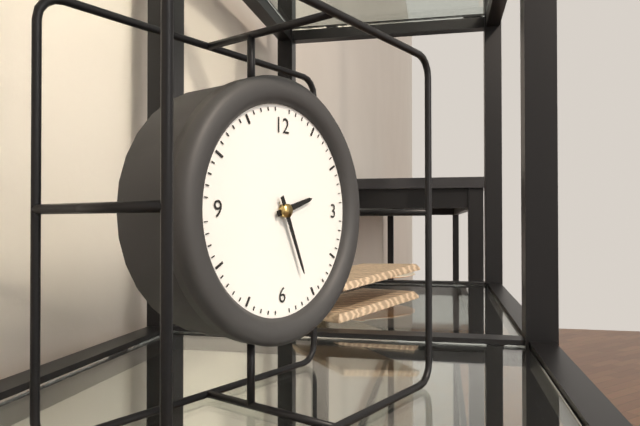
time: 2:26
